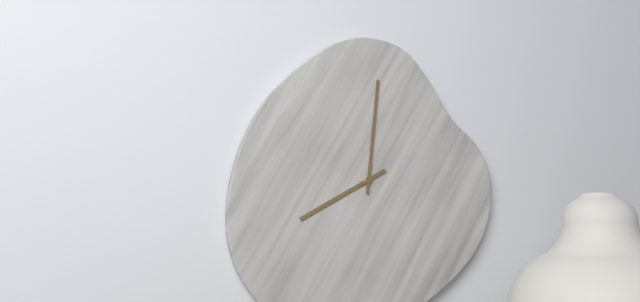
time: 8:01
